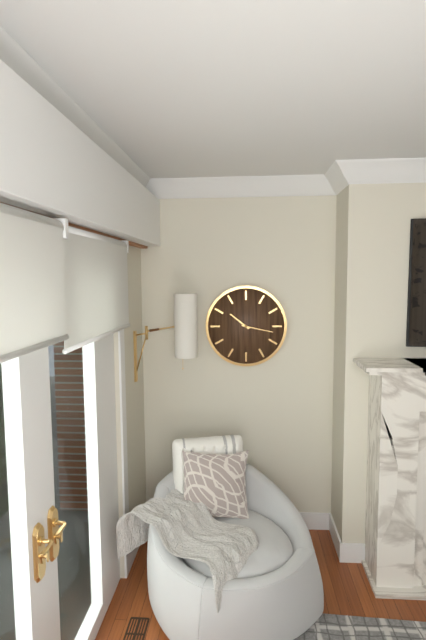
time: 10:17
